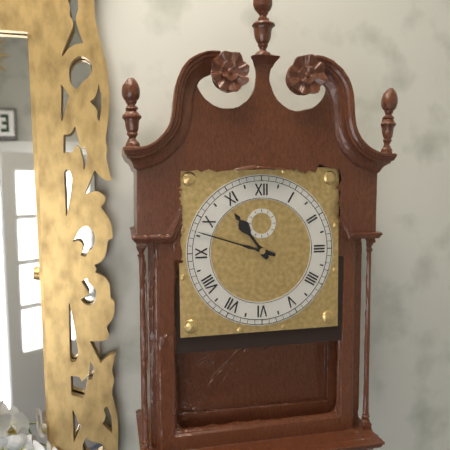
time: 10:48
